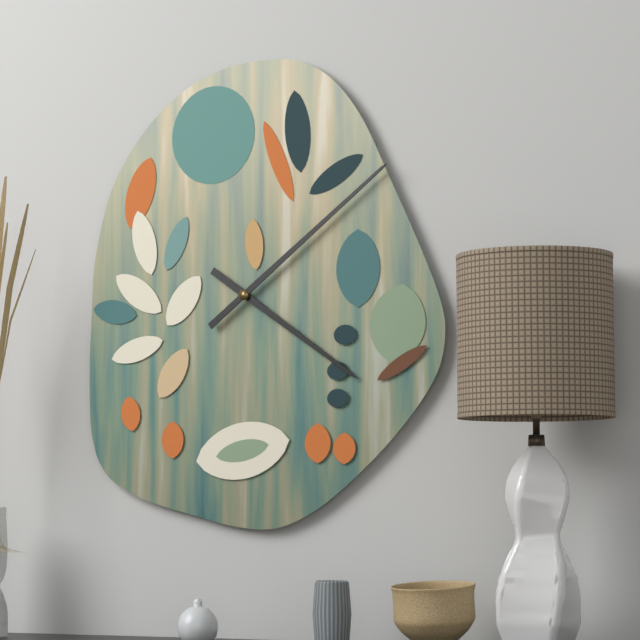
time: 4:09
